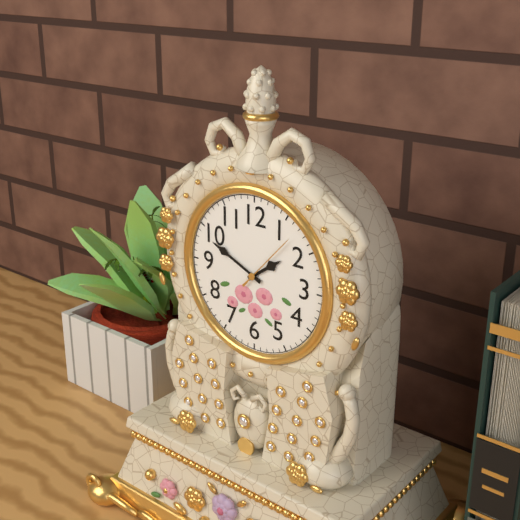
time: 1:49:07
